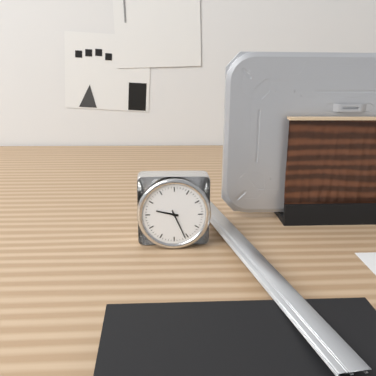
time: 9:26
